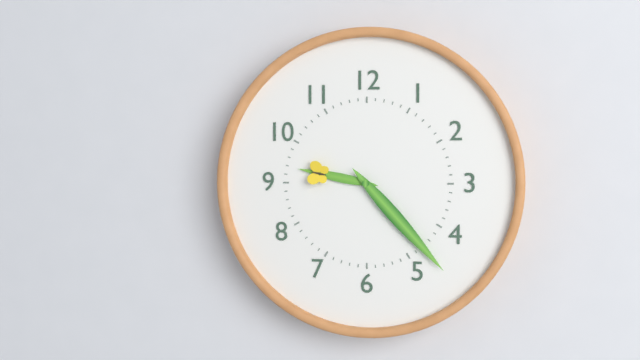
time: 9:23
